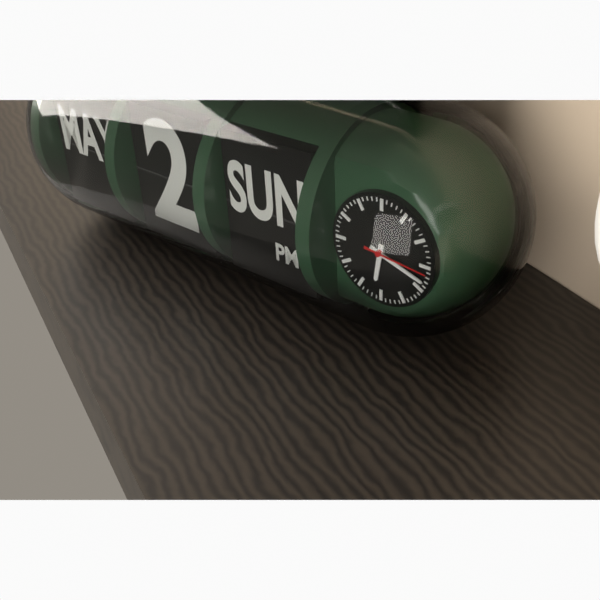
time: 6:18:16
